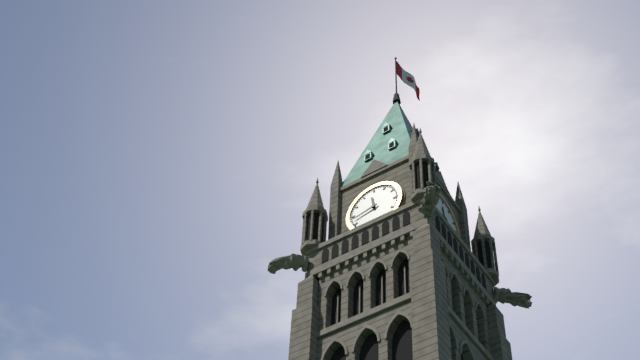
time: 11:43
